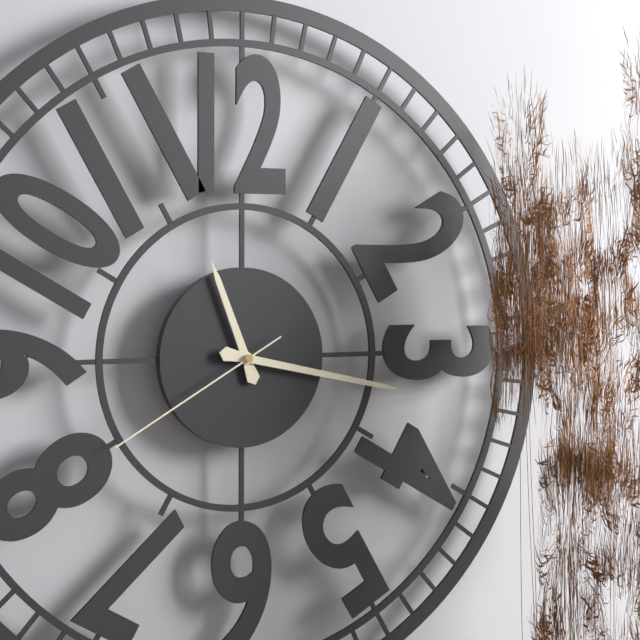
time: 11:17:40
